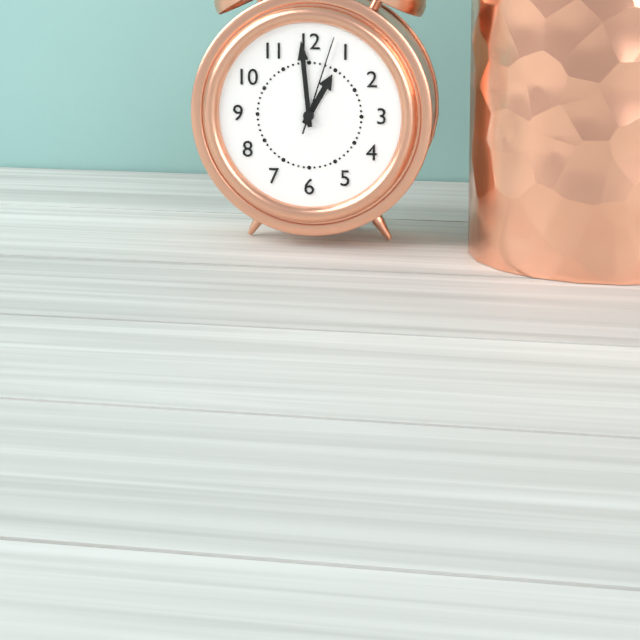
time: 12:59:03
